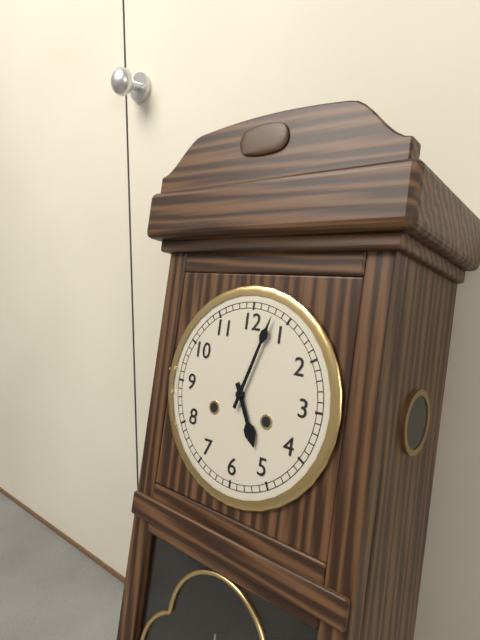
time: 5:03
